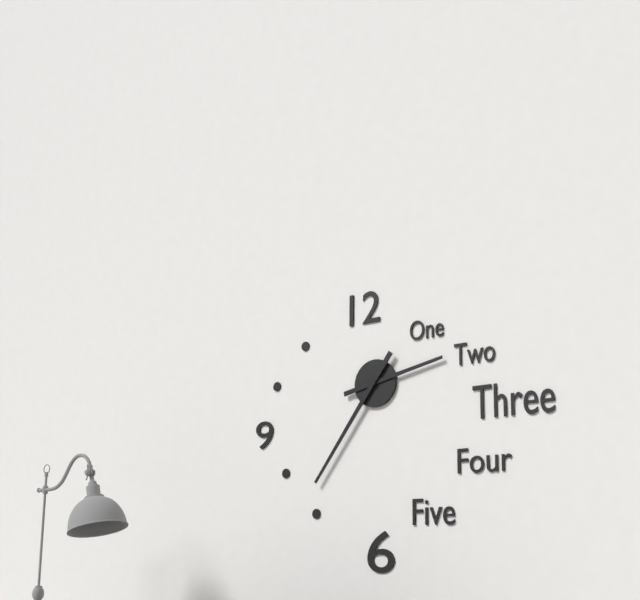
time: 2:36
